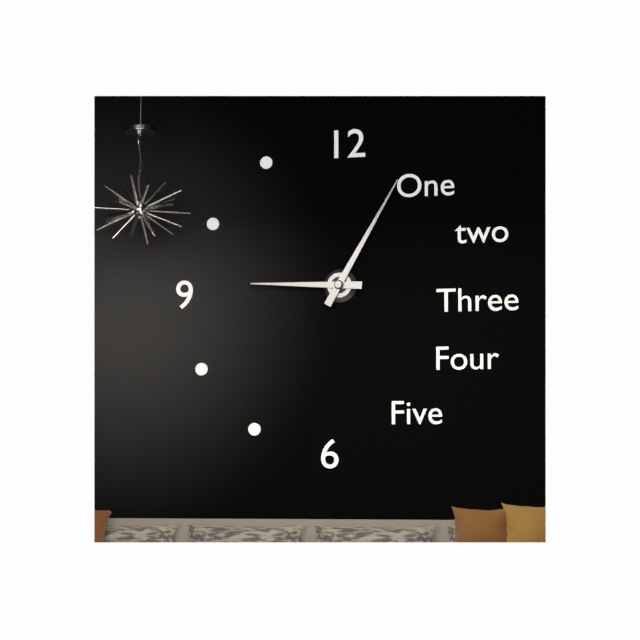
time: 9:05
